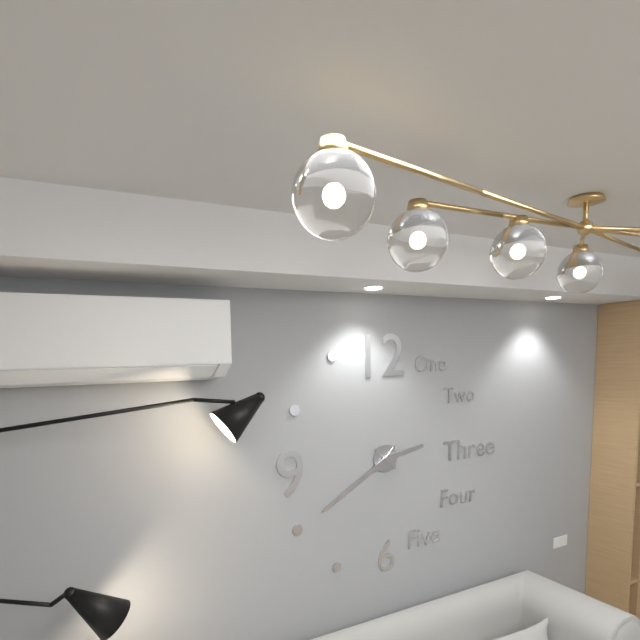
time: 2:40
